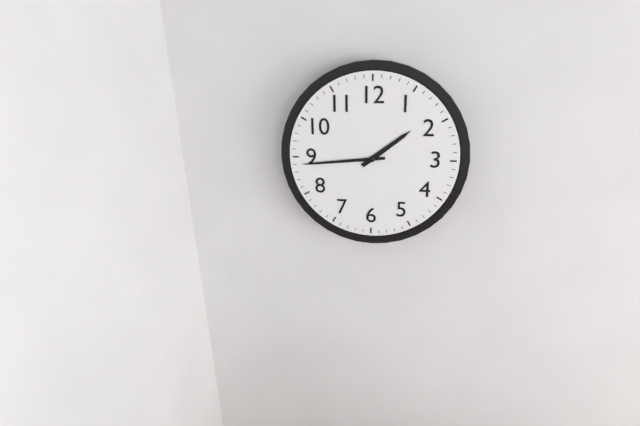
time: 1:44
